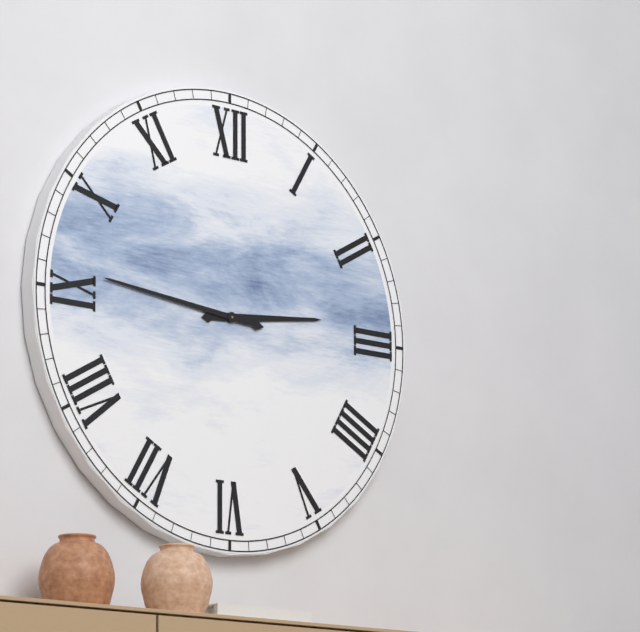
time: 2:46
